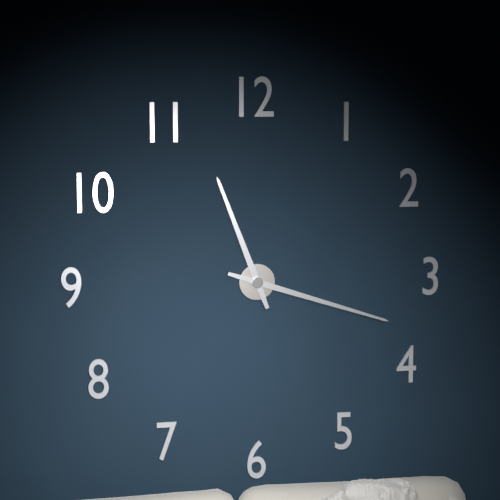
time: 11:18
